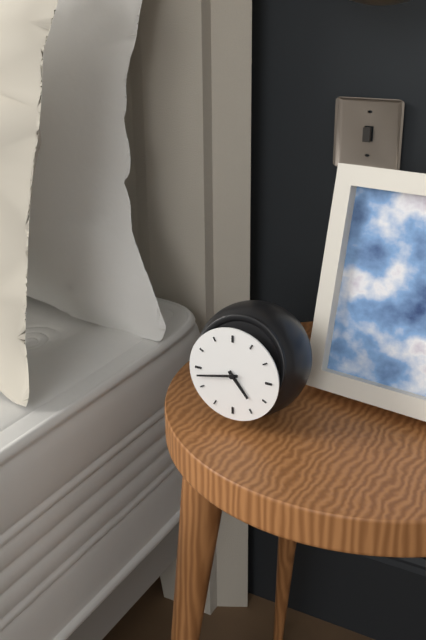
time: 4:43
